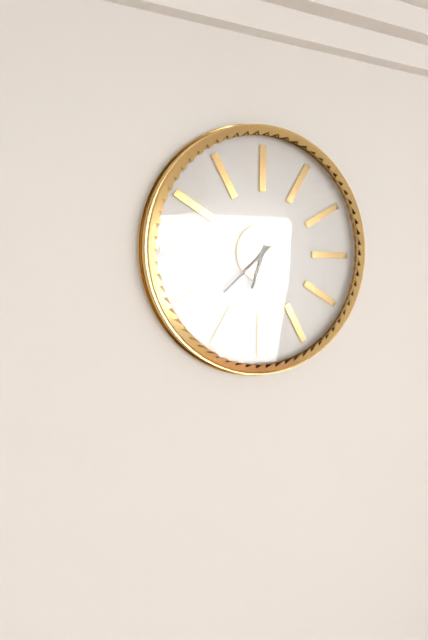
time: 6:38
